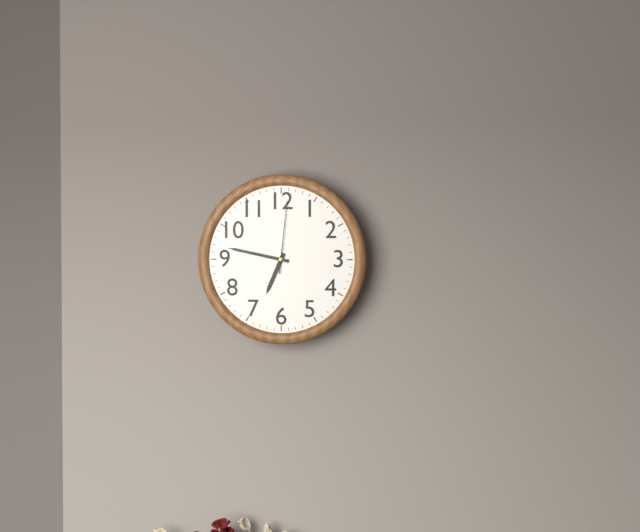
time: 6:47:01
